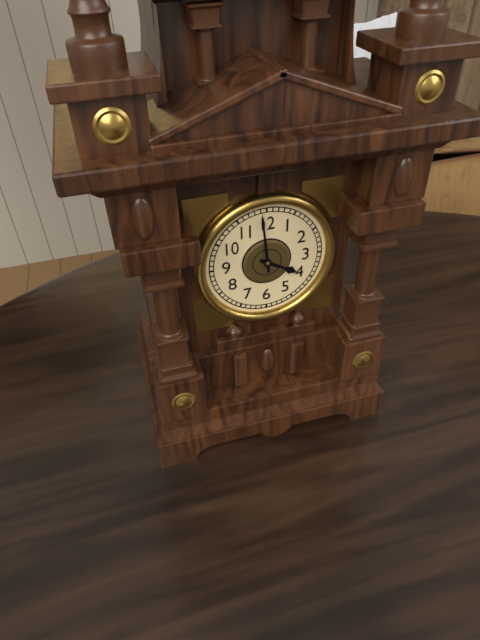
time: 3:59
